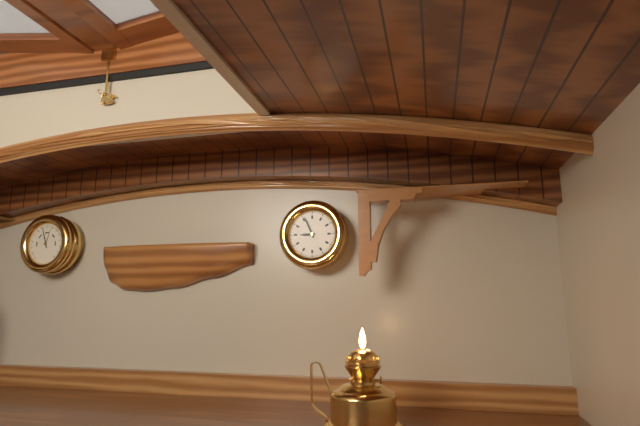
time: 8:56
